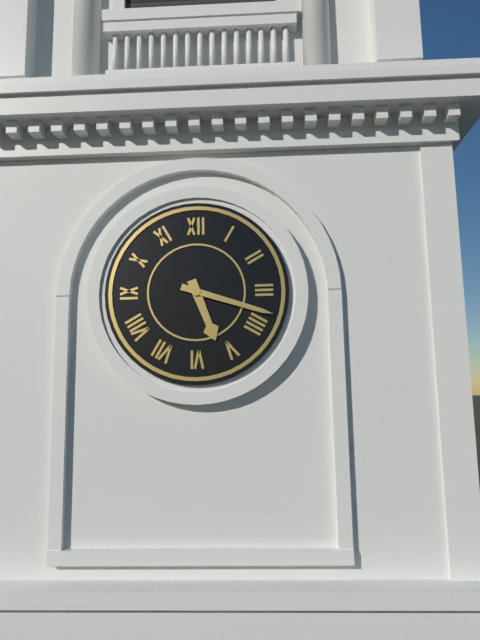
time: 5:18
